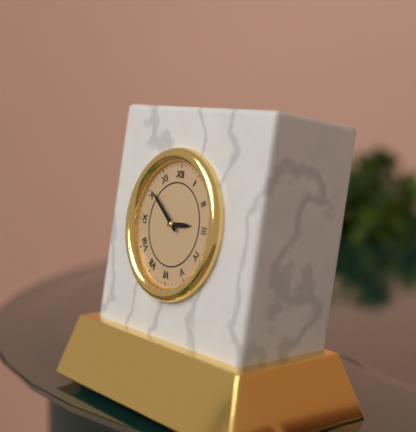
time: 2:51
